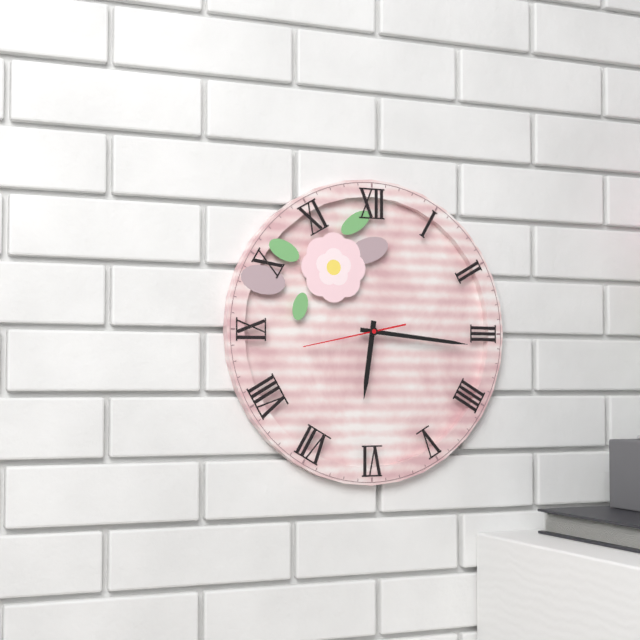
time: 6:16:43
